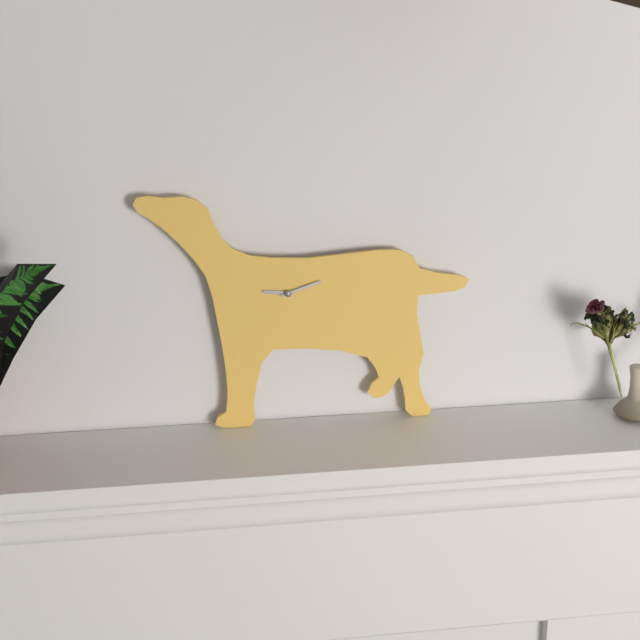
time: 9:12
